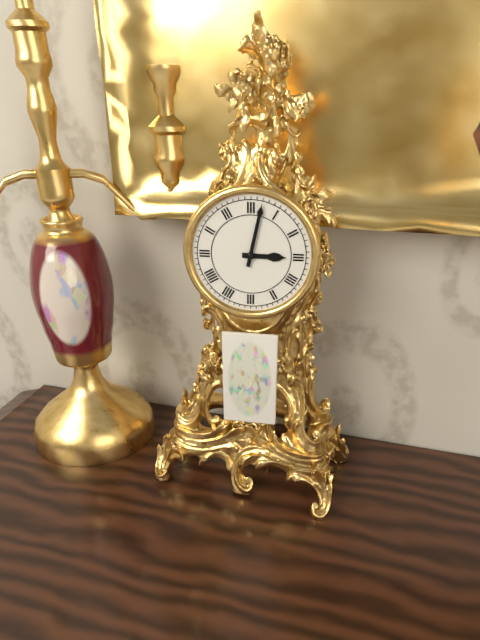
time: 3:02
